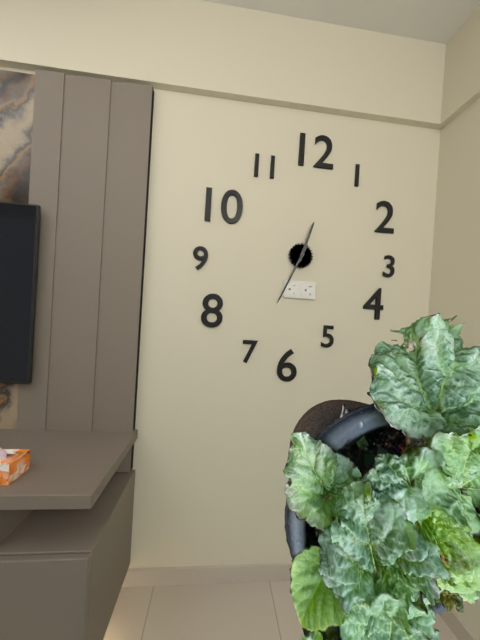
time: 12:34
